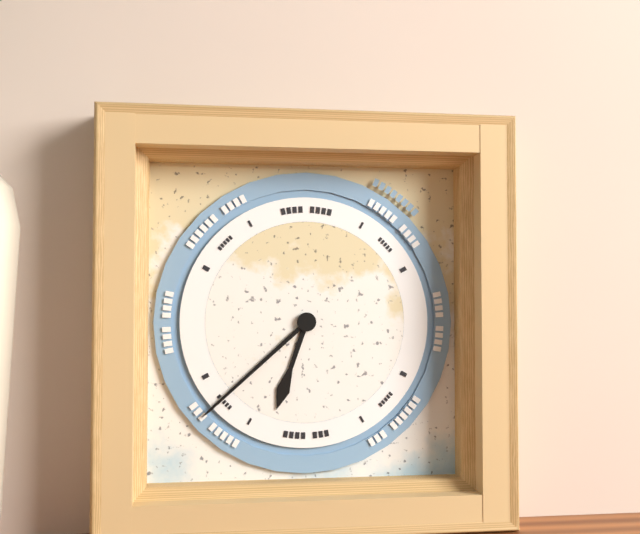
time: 6:38
